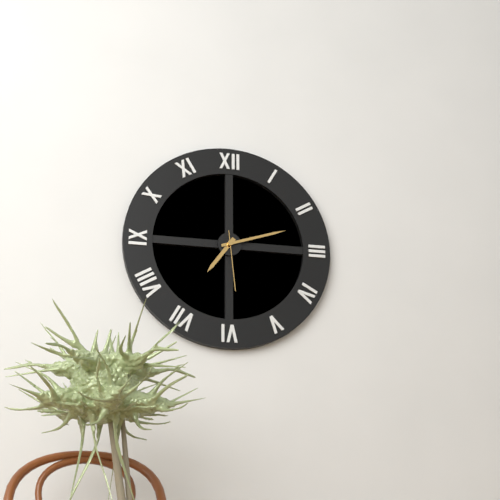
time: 7:12:29
